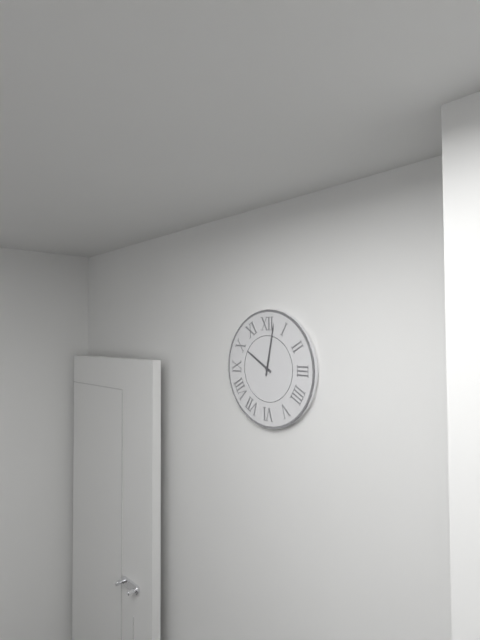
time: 10:02
